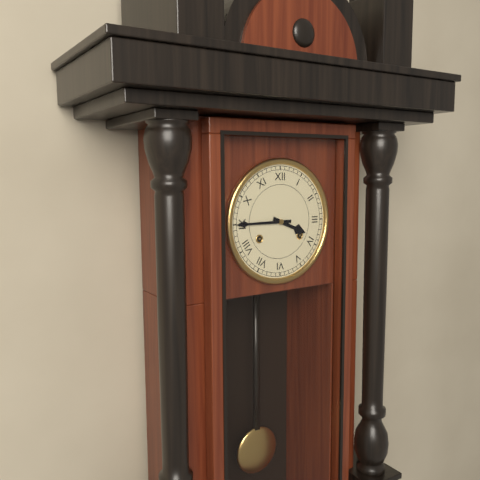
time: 3:45
